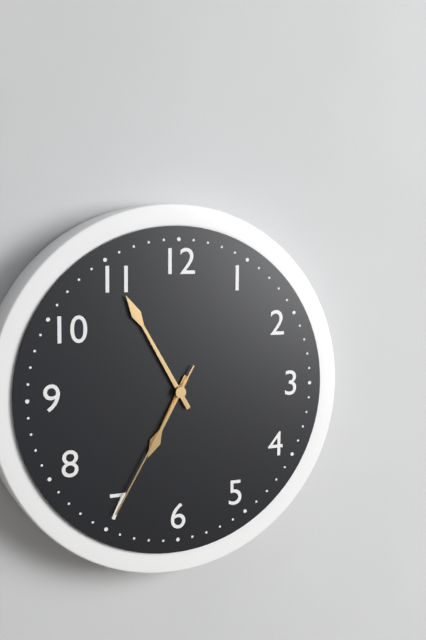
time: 6:55:35
